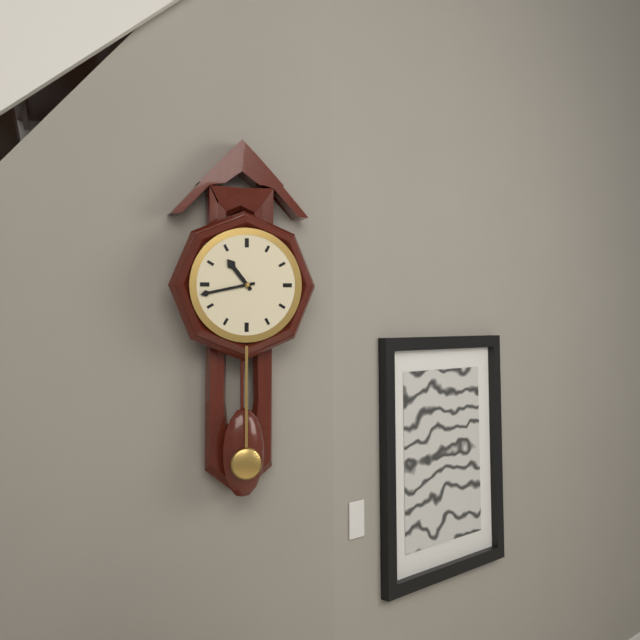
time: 10:43
